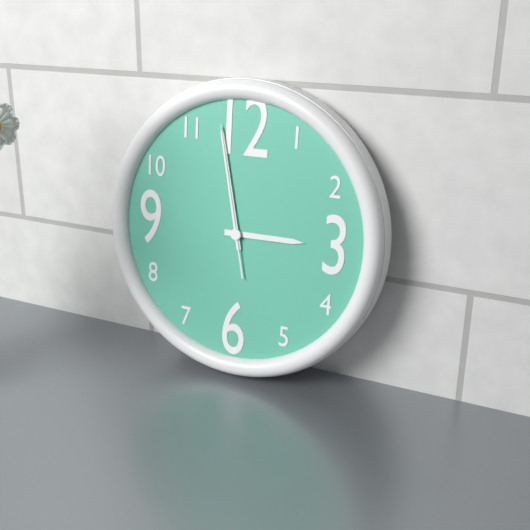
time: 2:58:58
